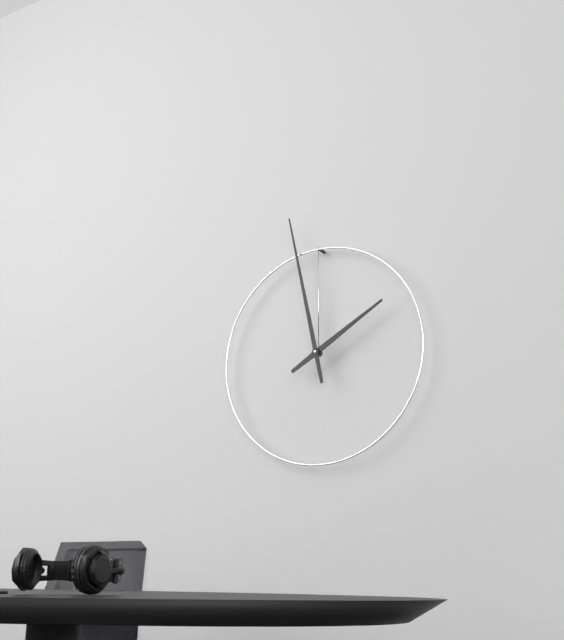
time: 1:58
